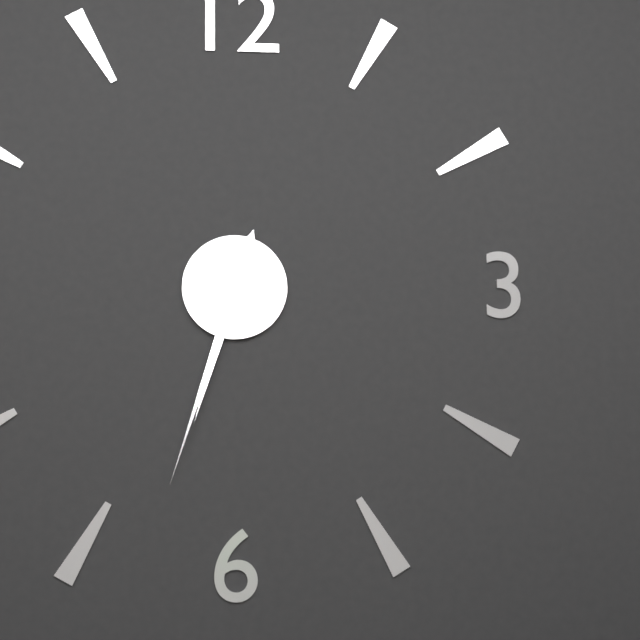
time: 6:33
